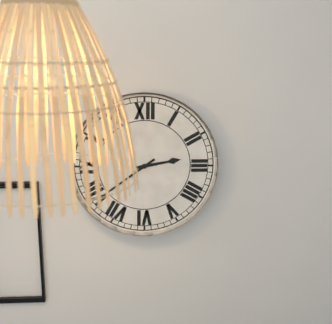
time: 2:39
